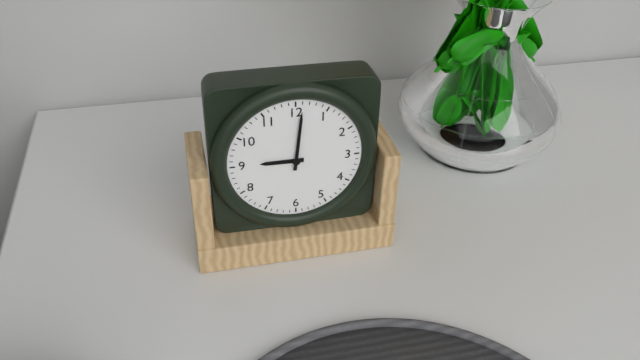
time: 9:01
